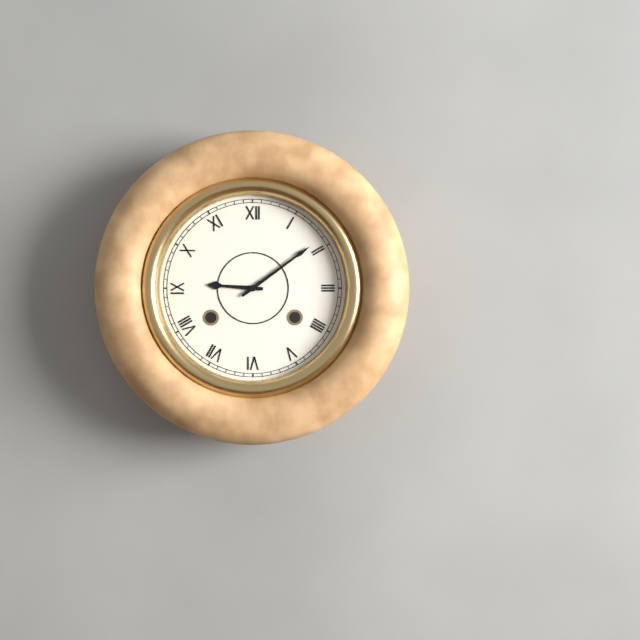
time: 9:09
